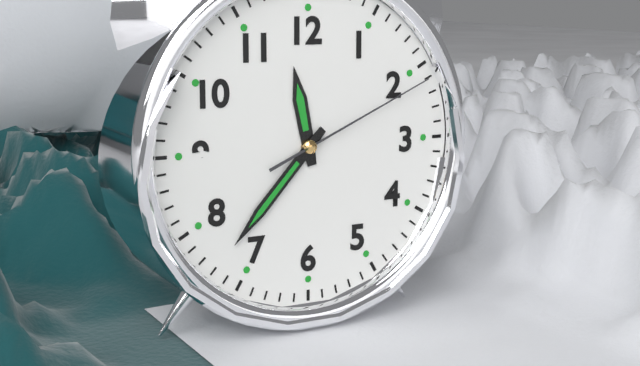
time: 11:37:11
